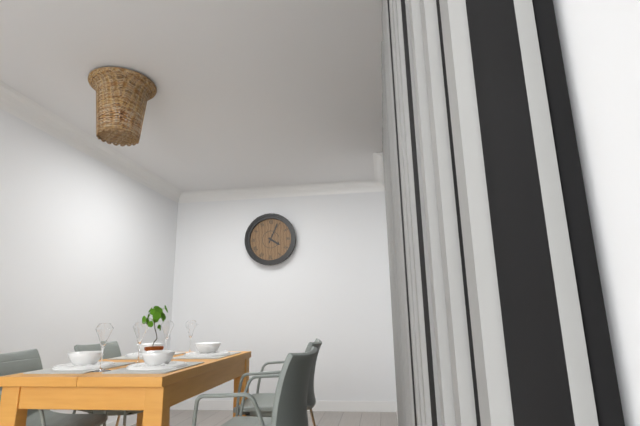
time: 4:04
